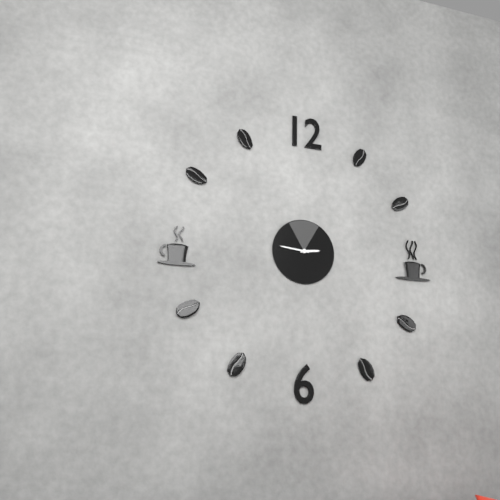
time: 2:46
